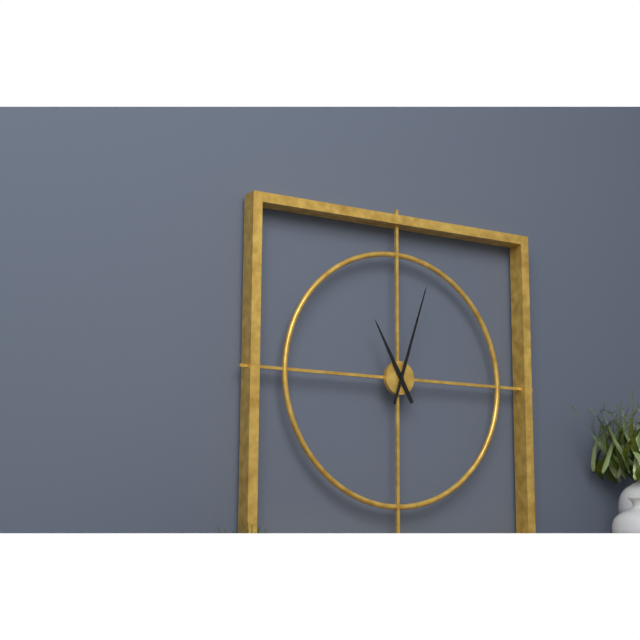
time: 11:03
